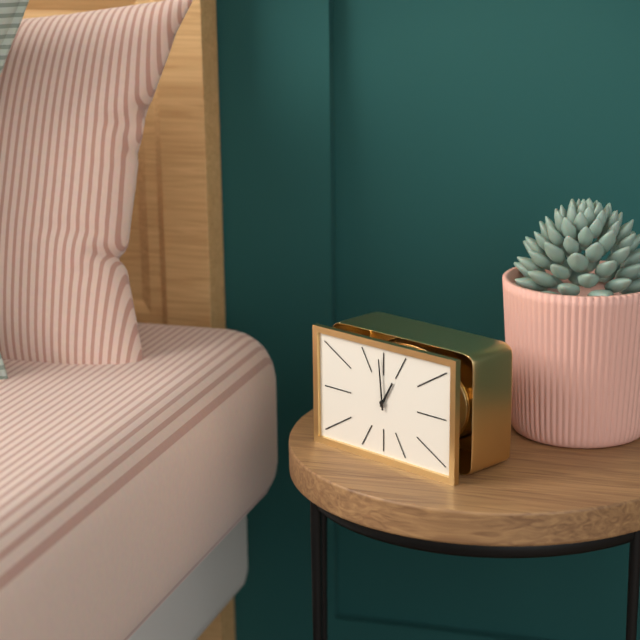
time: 12:59
